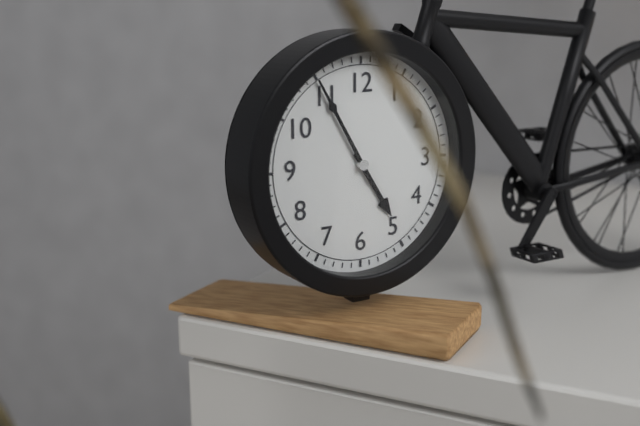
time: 4:55
